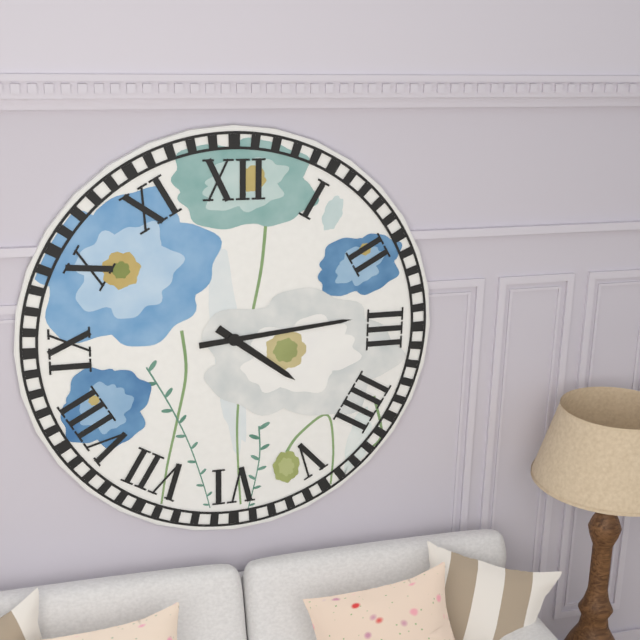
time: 4:14
